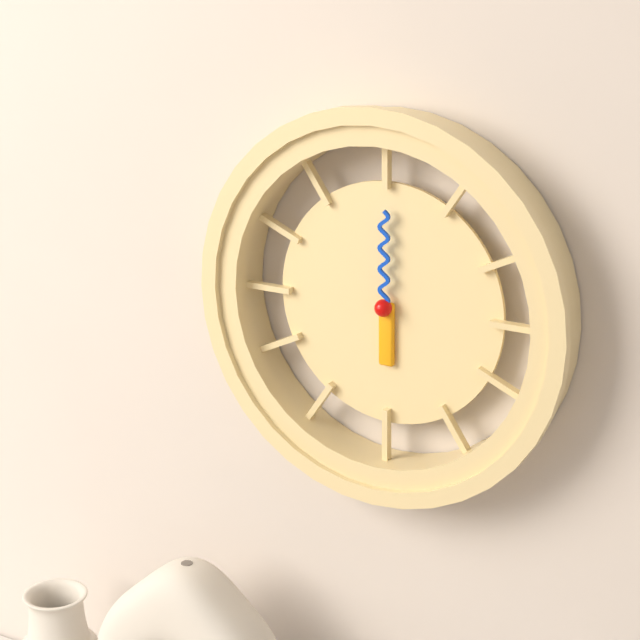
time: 6:00
